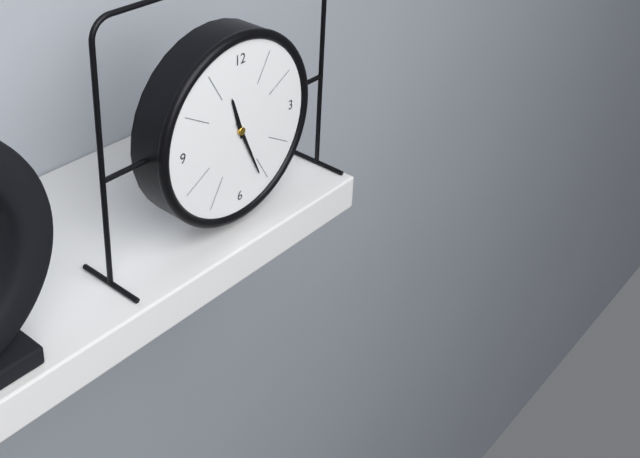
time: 11:26
